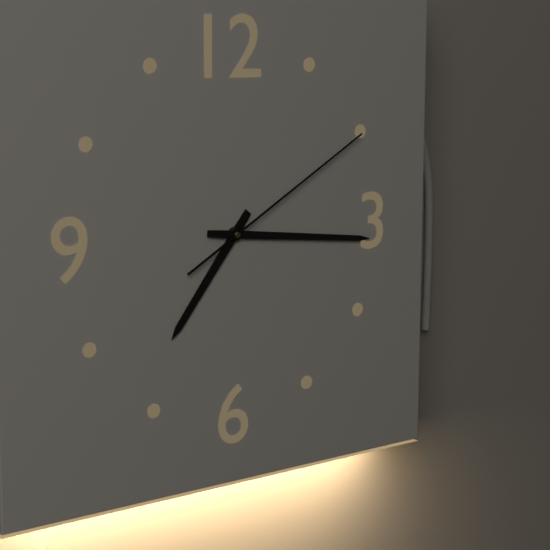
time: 7:16:10
